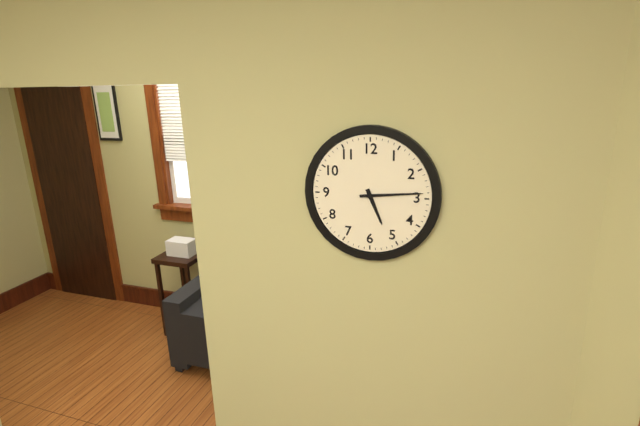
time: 5:14
